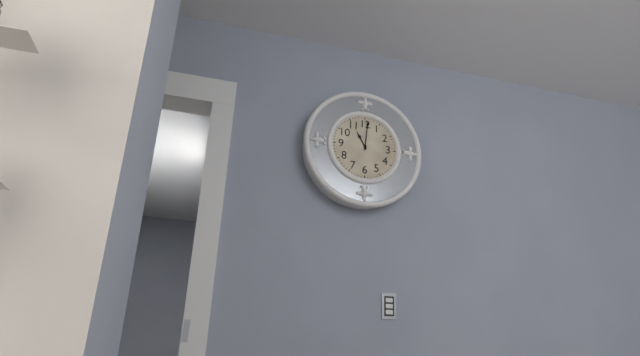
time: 11:01
